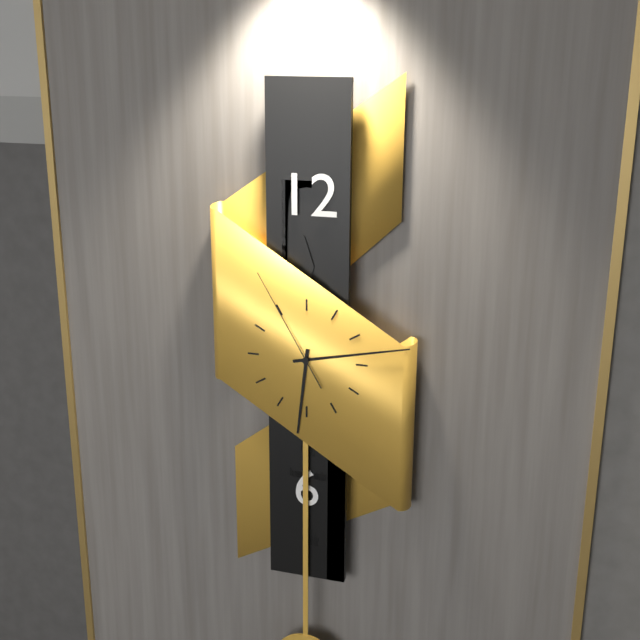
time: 6:13:55
